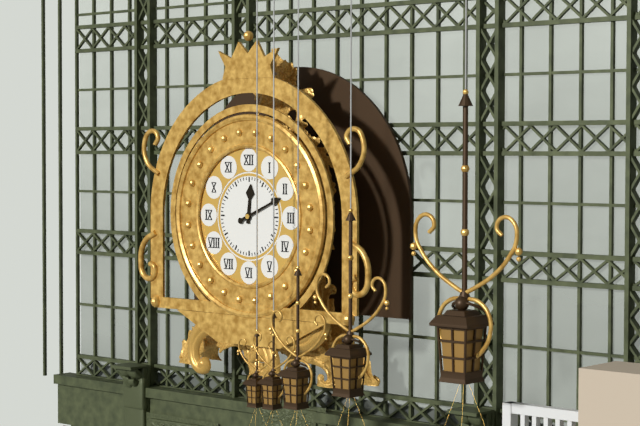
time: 12:11
